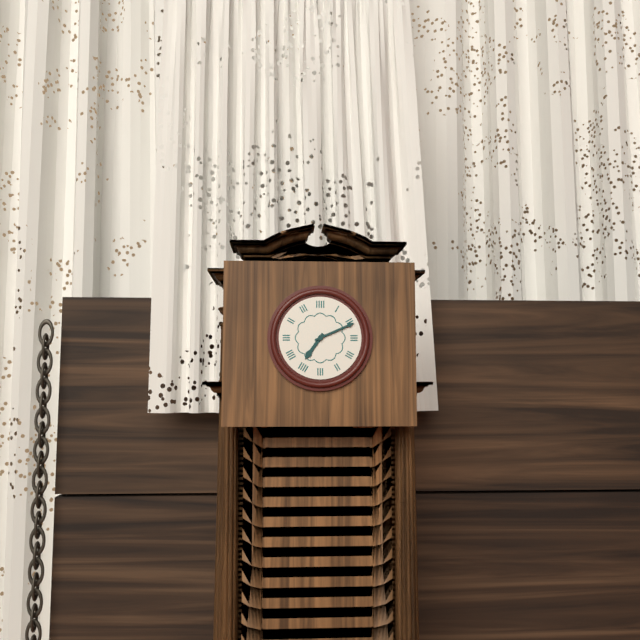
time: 7:11
